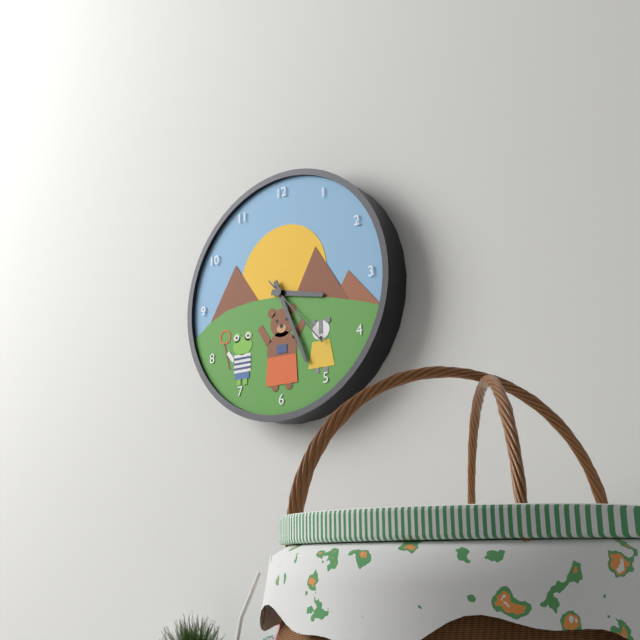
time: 3:26:23
